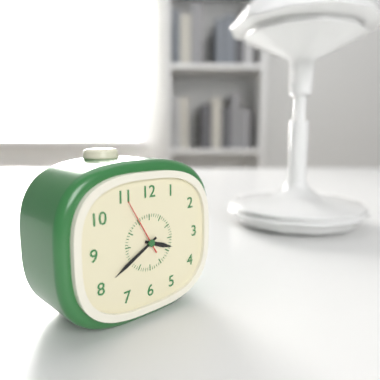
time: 3:40:55
